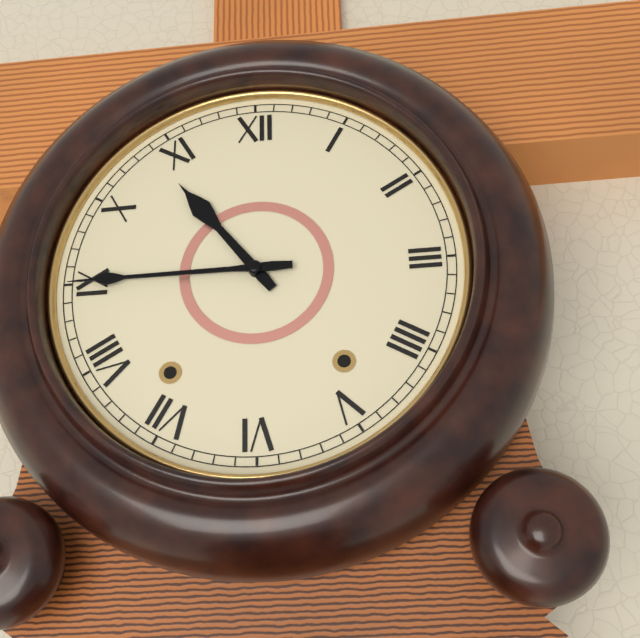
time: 10:45
